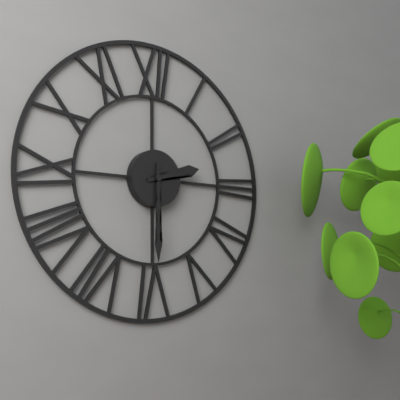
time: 2:30
